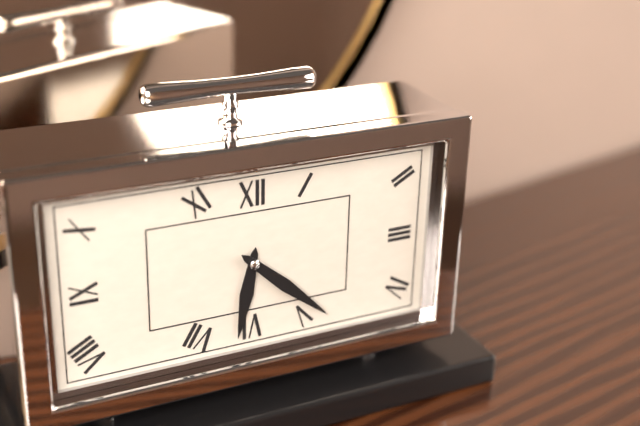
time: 6:22
